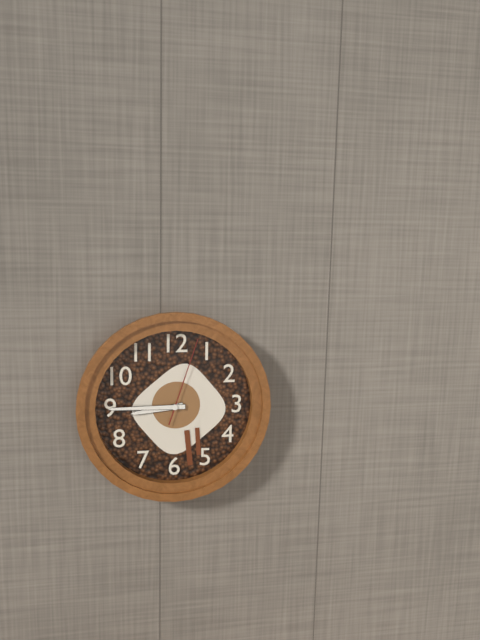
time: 8:45:03
